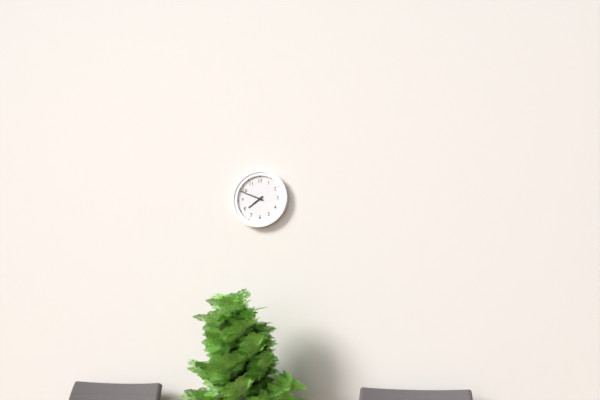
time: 7:49
